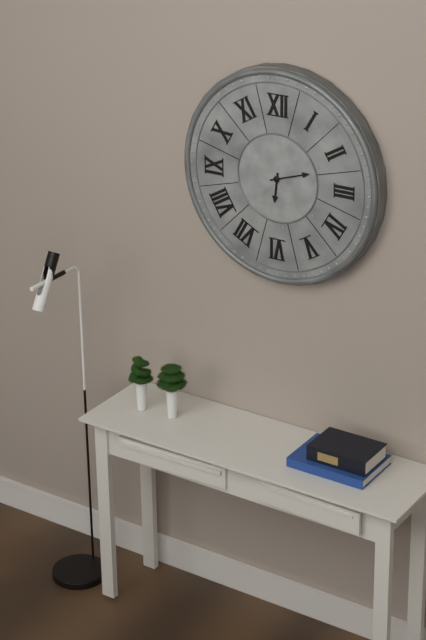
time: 6:12
